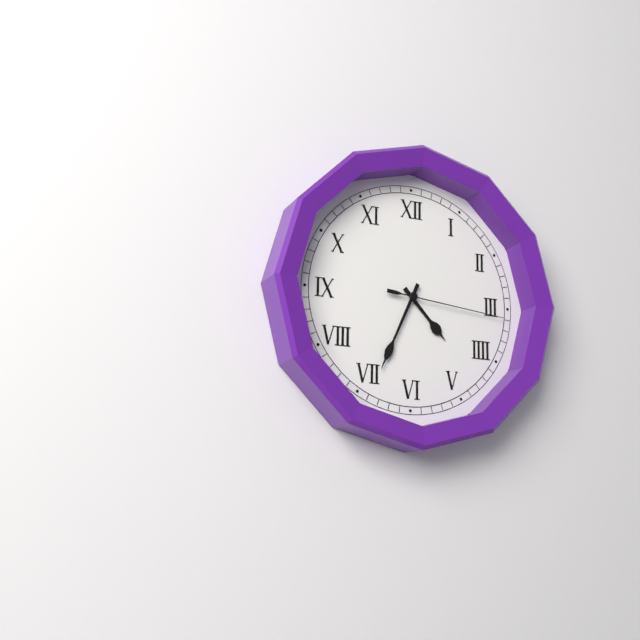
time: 4:34:16
